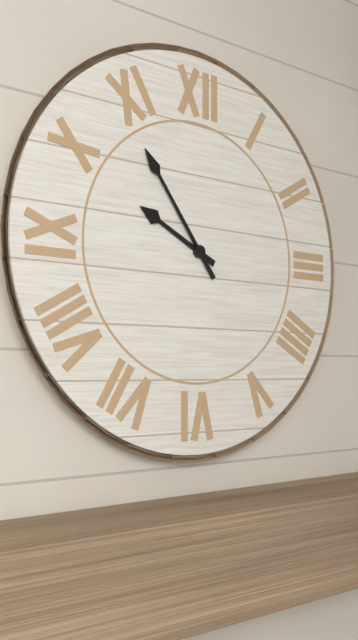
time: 9:54
